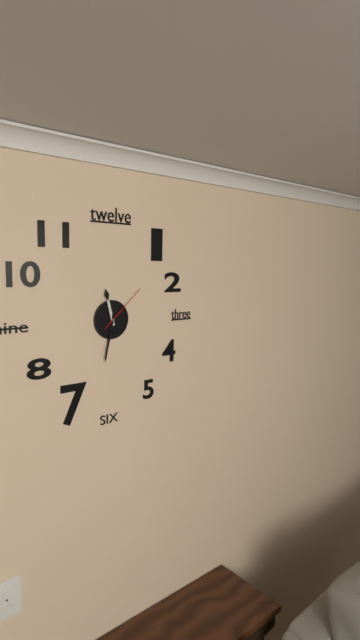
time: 11:32:08
